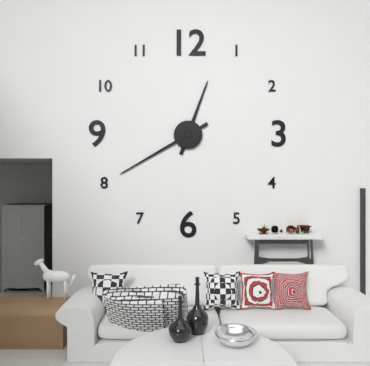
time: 12:40
